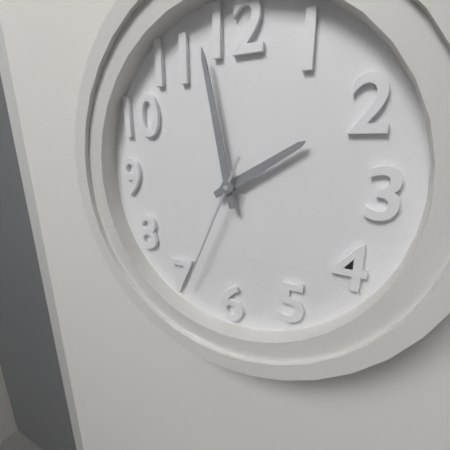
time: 1:58:34
